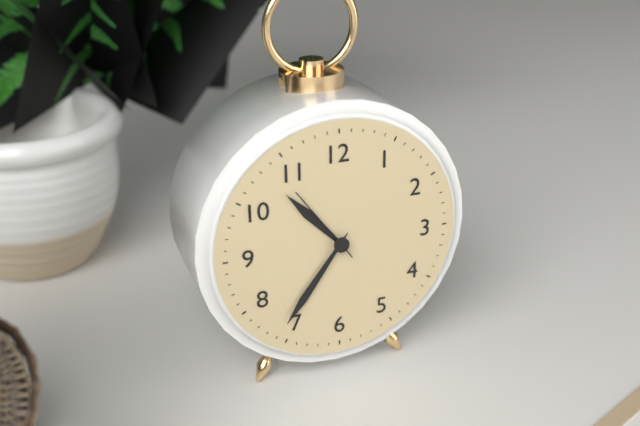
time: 10:36:54
